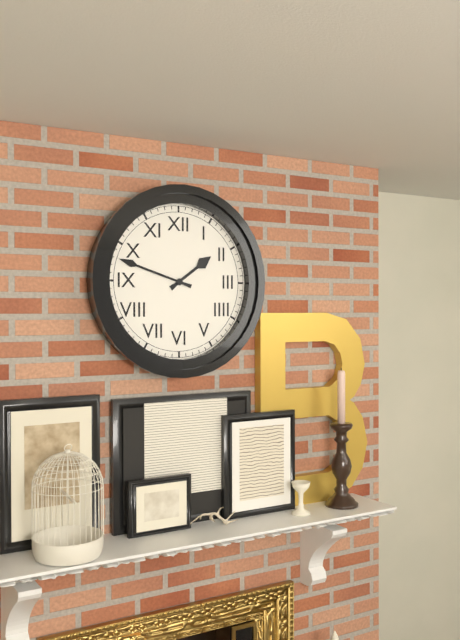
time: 1:48
